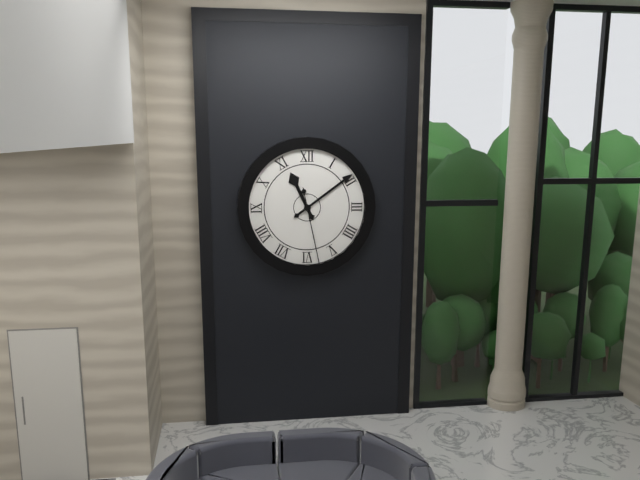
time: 11:09:28
